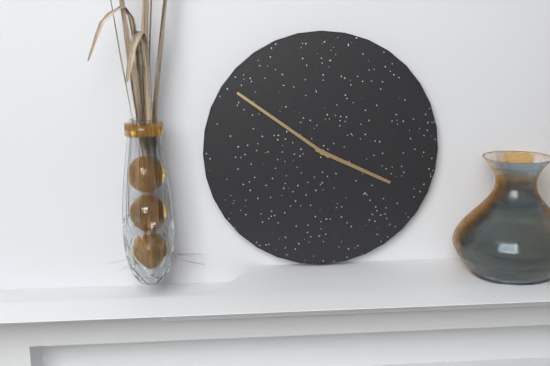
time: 3:51
